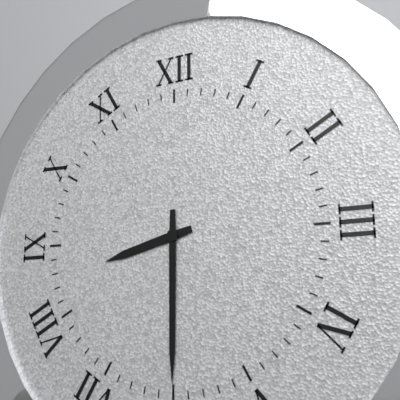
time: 8:30
